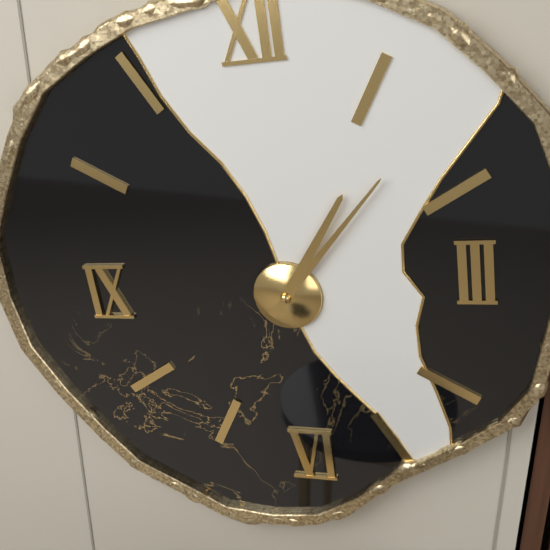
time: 1:07
